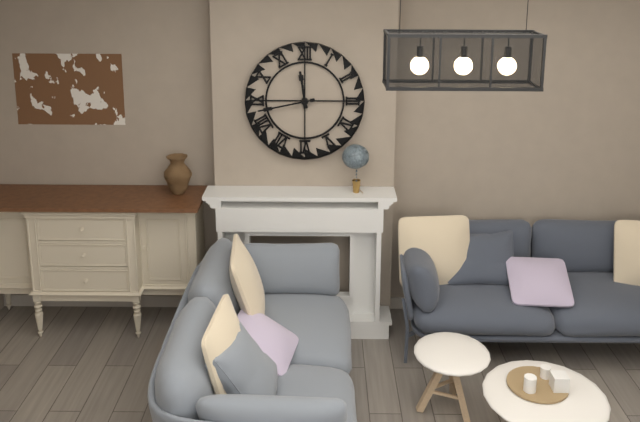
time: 11:43
